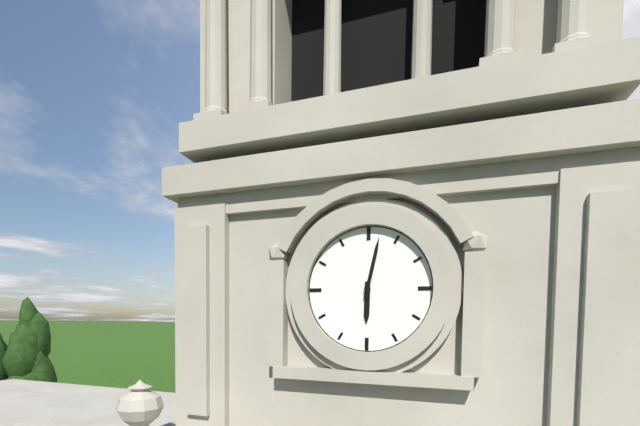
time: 6:02
